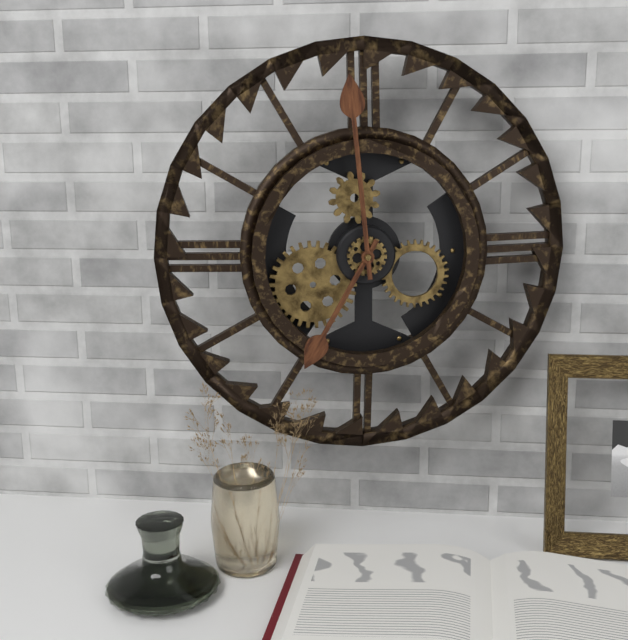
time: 6:59
